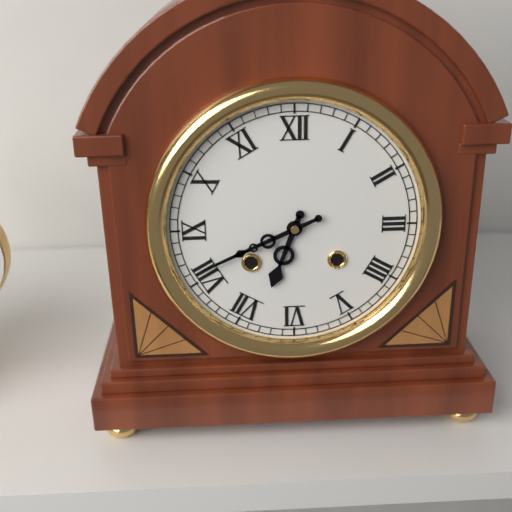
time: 6:41
